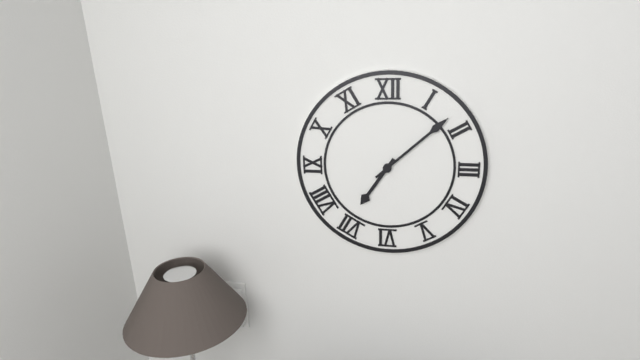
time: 7:08
